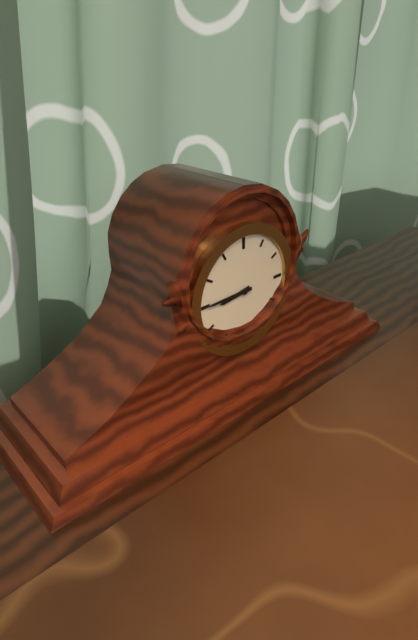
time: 8:45
